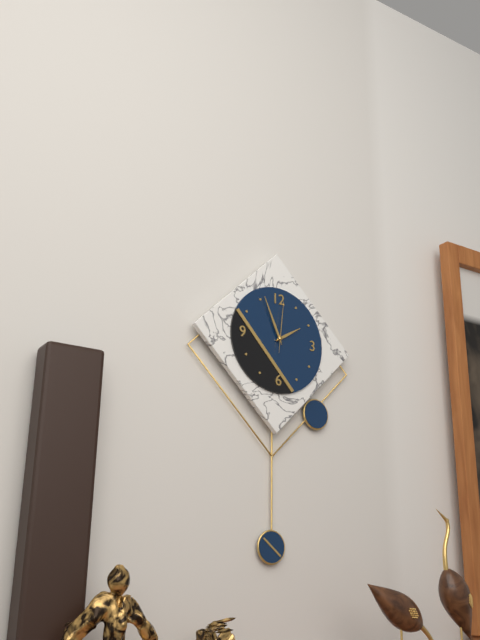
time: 1:56
